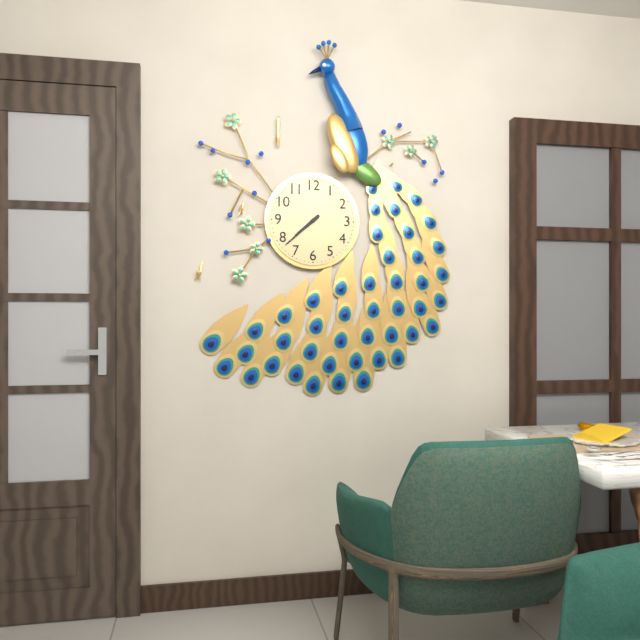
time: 7:38
